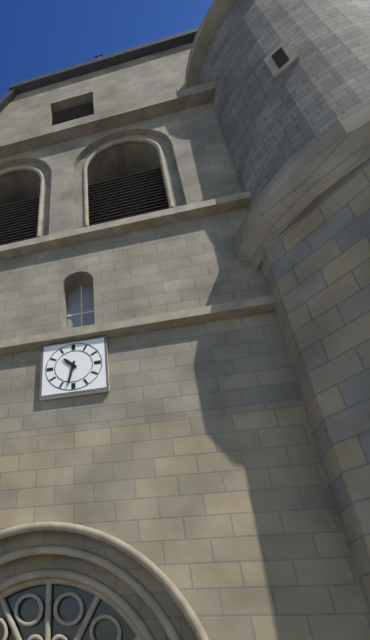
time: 10:32
